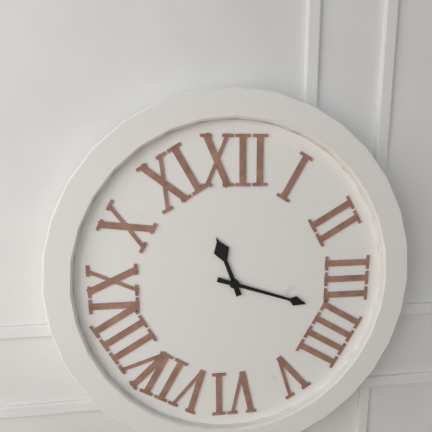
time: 11:18
